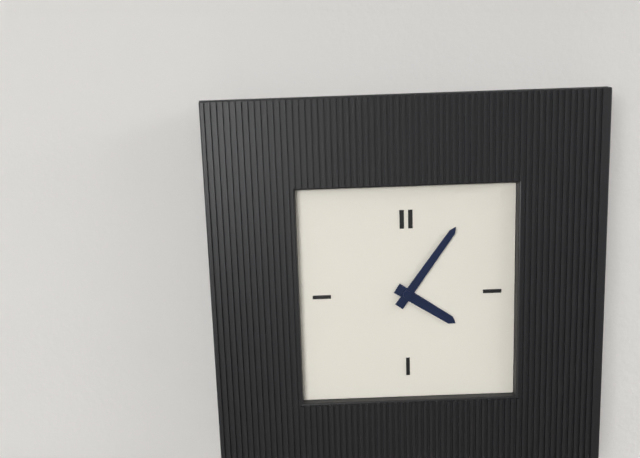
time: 4:06
